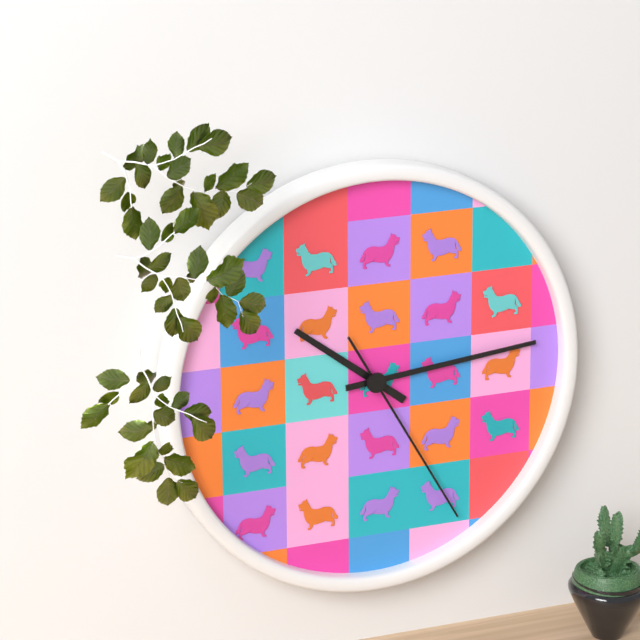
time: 10:14:25
